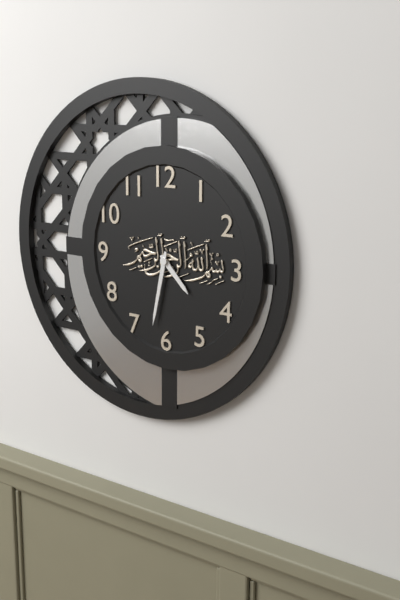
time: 4:32
